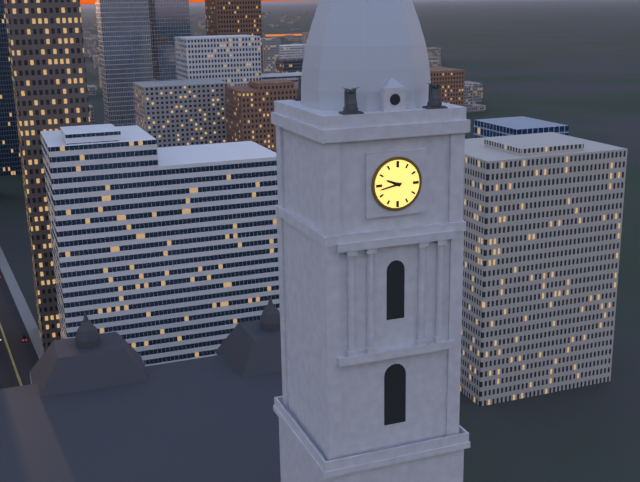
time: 9:43
